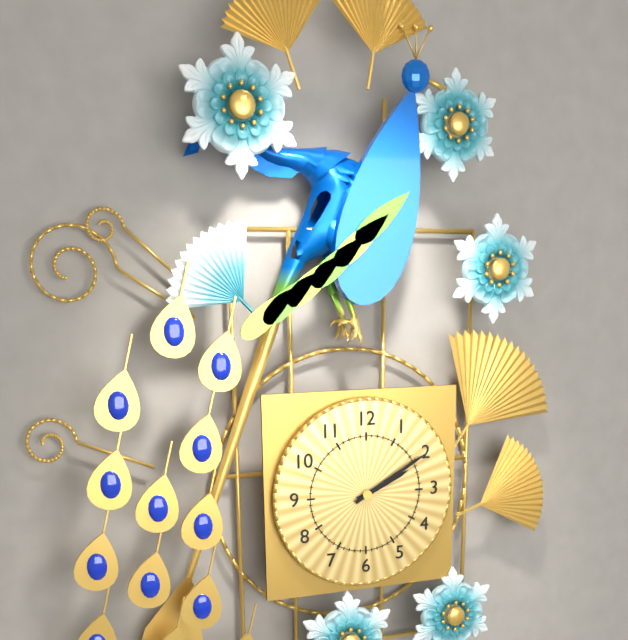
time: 2:10
